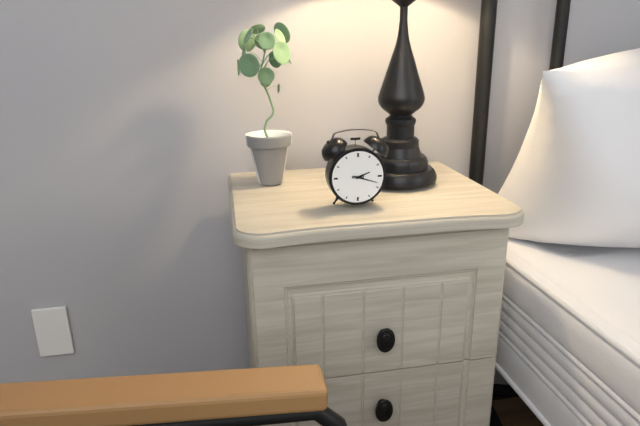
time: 2:18
